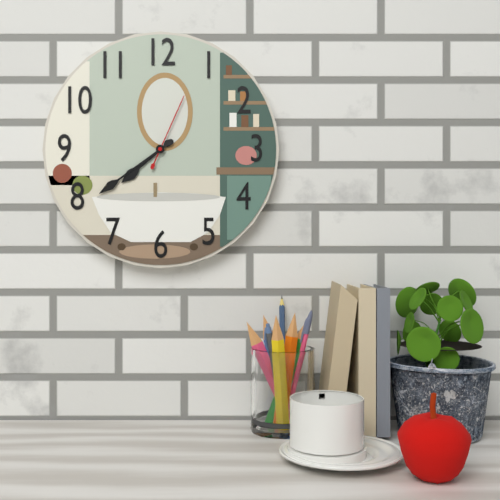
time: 7:39:04
